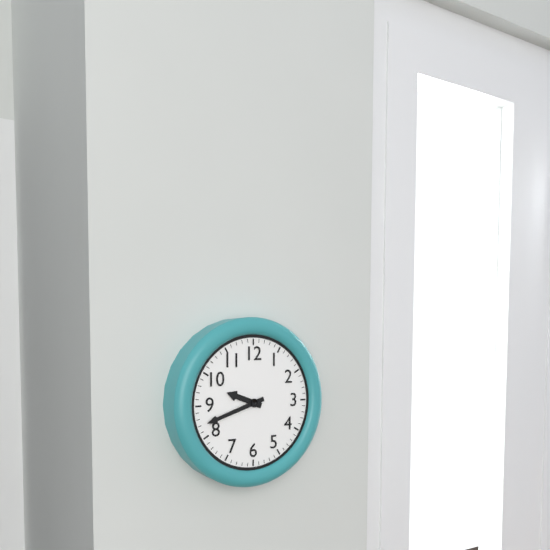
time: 9:42
